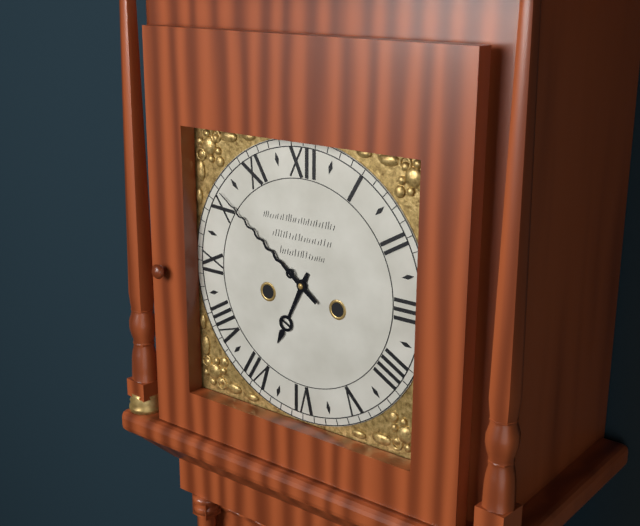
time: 6:51
